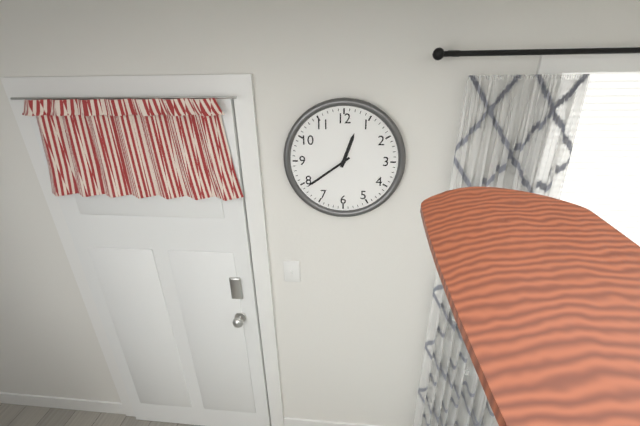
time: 12:39
